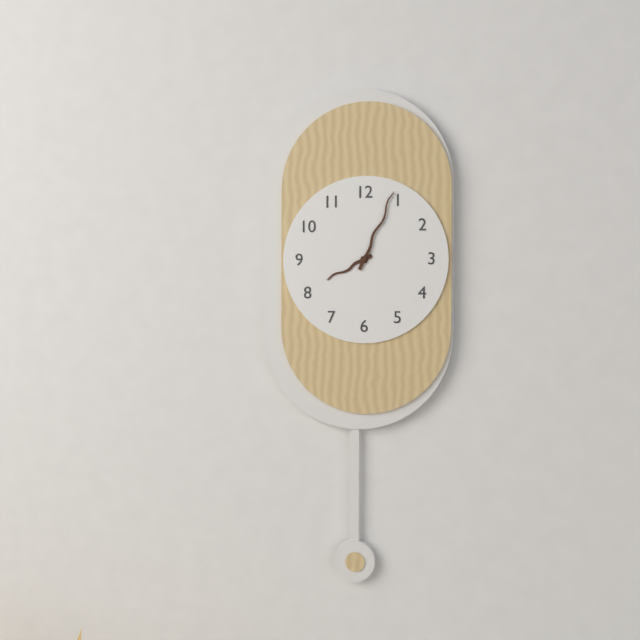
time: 8:04
